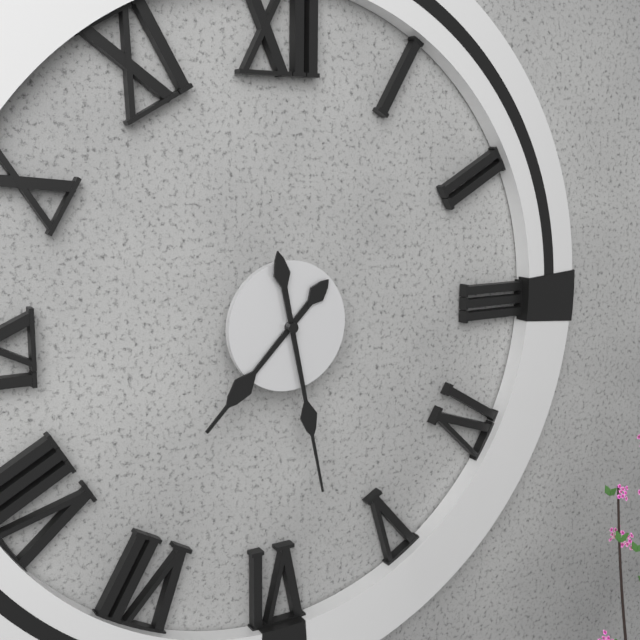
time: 7:28
